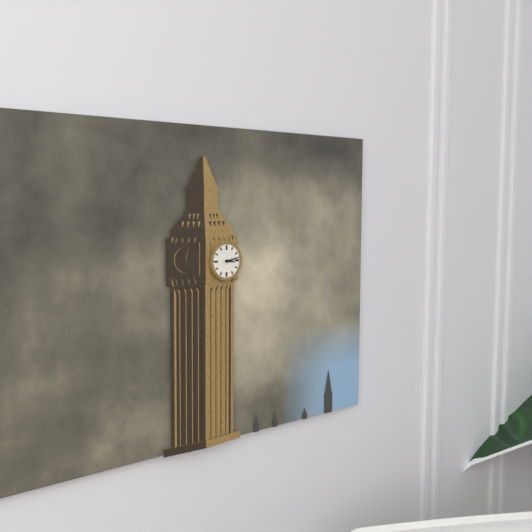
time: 3:13
